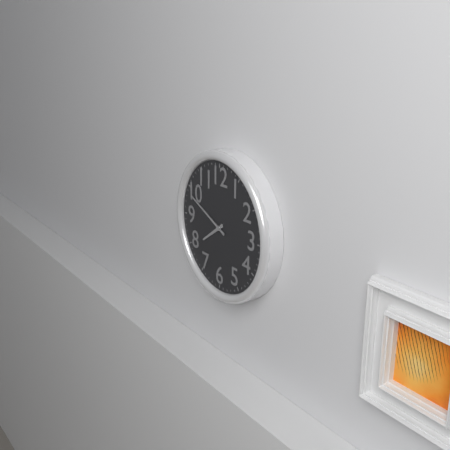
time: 7:49
